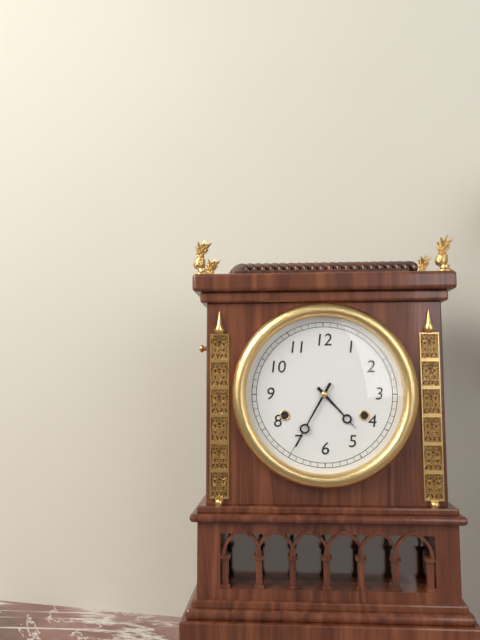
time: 4:35
